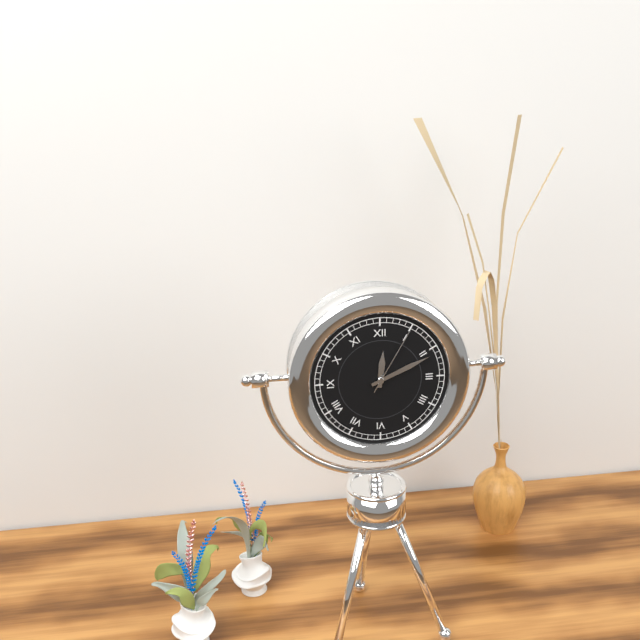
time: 12:11:05
